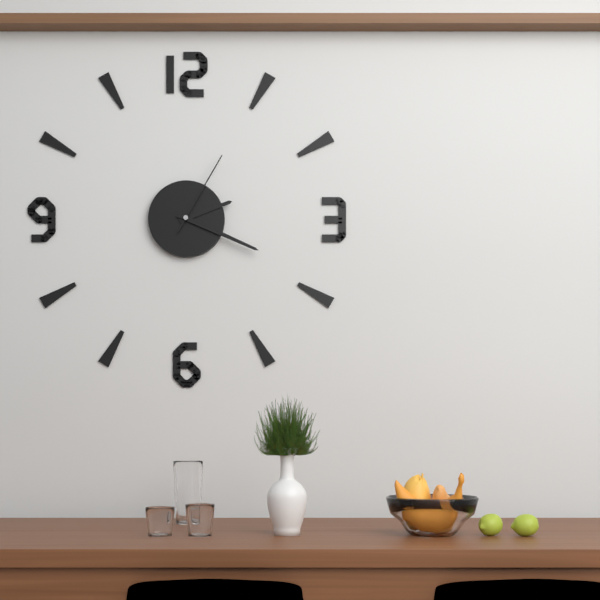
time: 2:19:05
